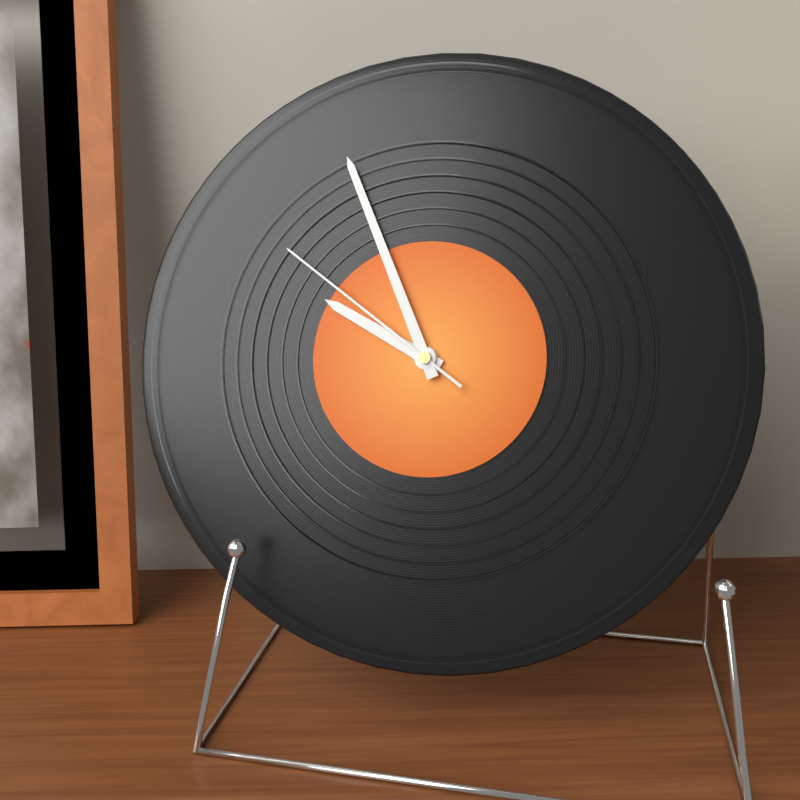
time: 9:56:51
